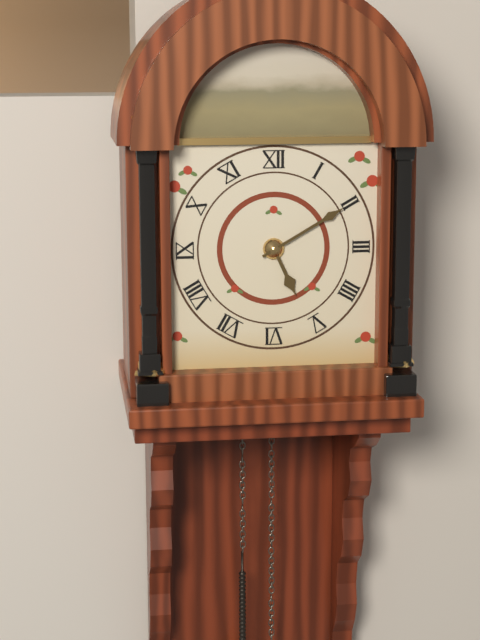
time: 5:10
